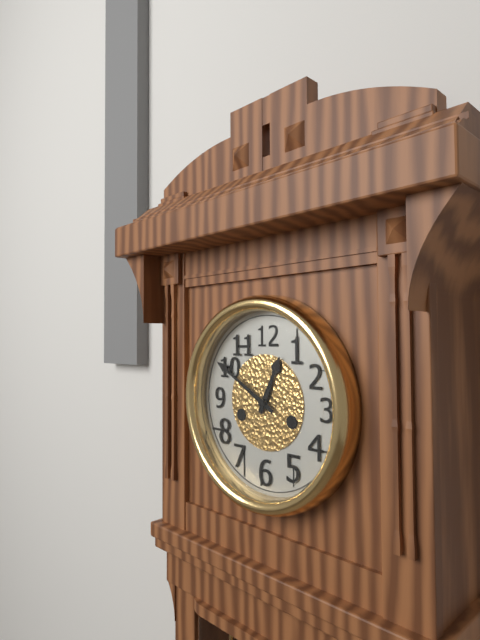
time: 12:50
